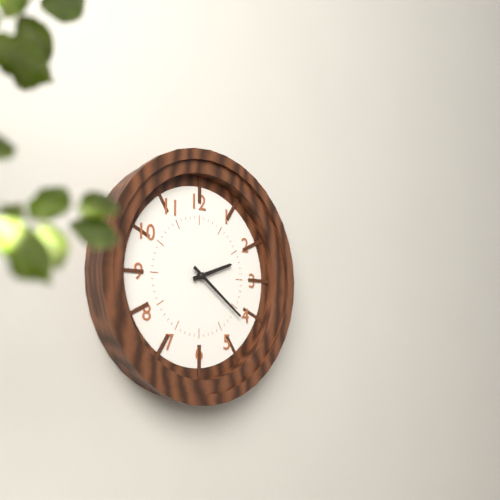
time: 2:21
